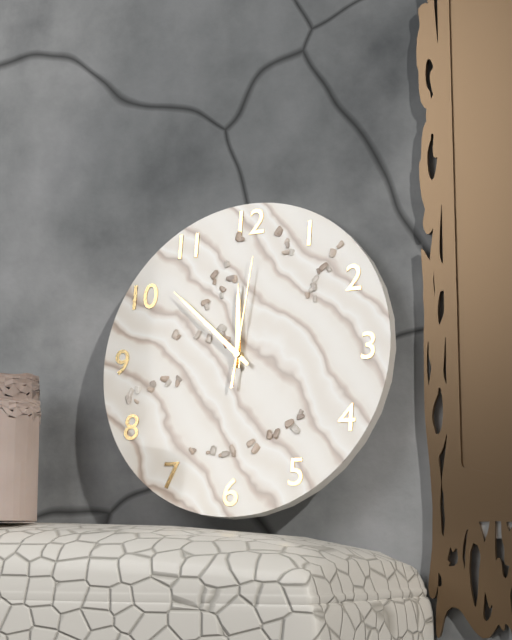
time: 11:52:01
